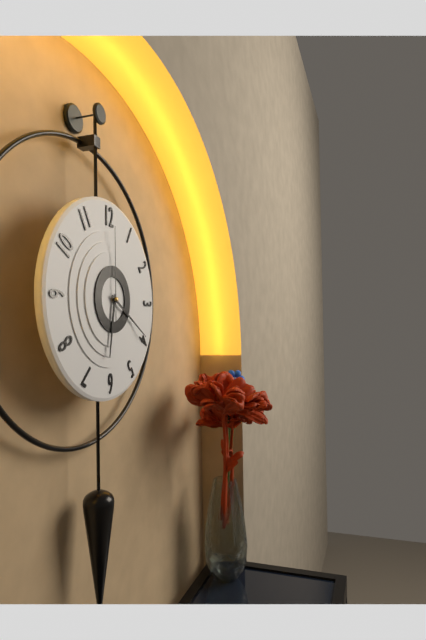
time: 6:20:00
